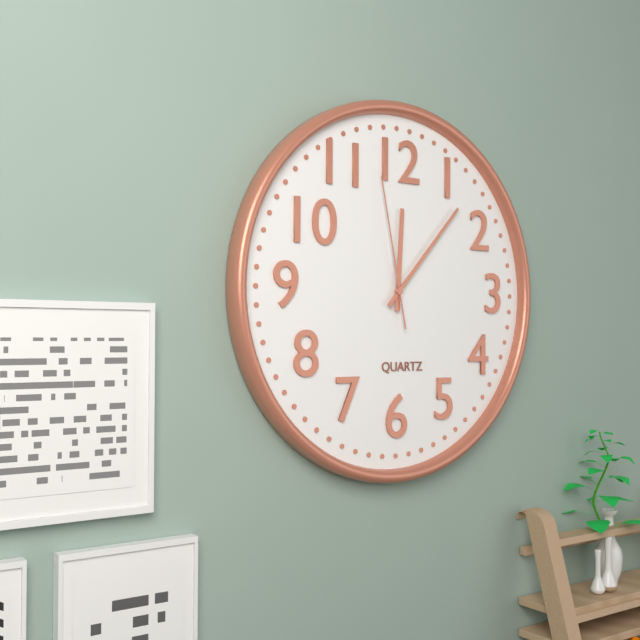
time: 12:07:58
